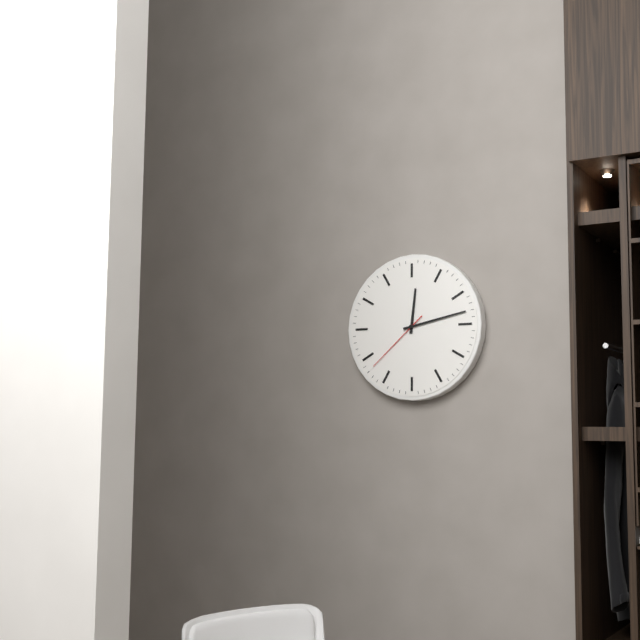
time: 12:13:38
